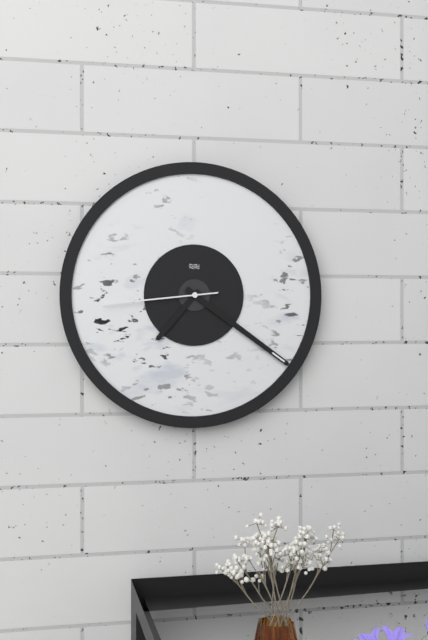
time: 7:21:44
